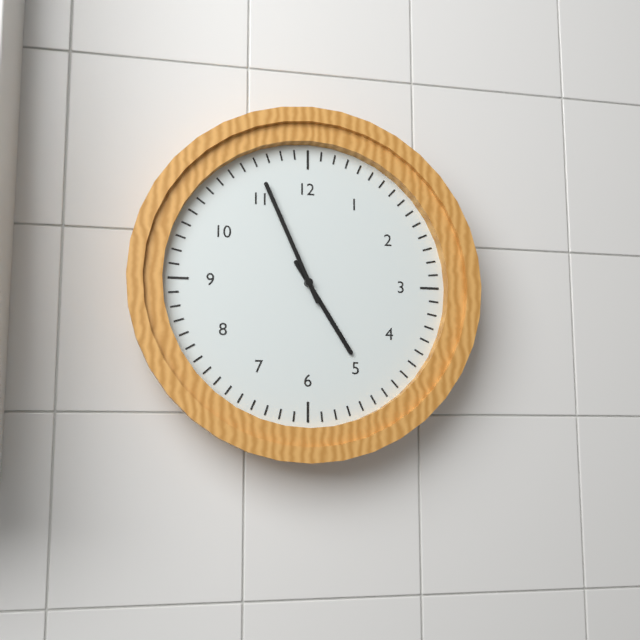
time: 4:56
